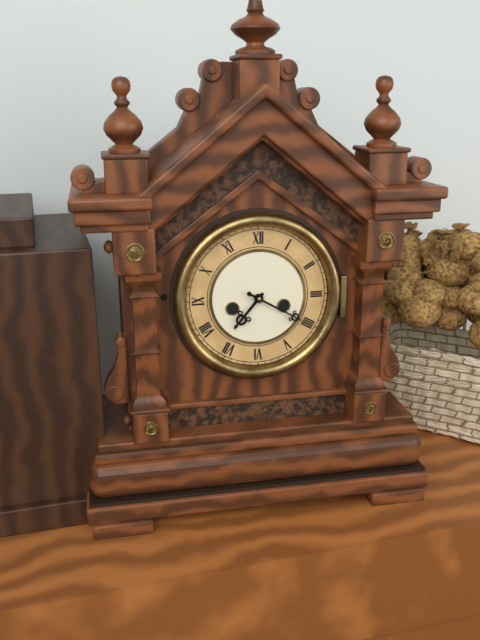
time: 7:20
